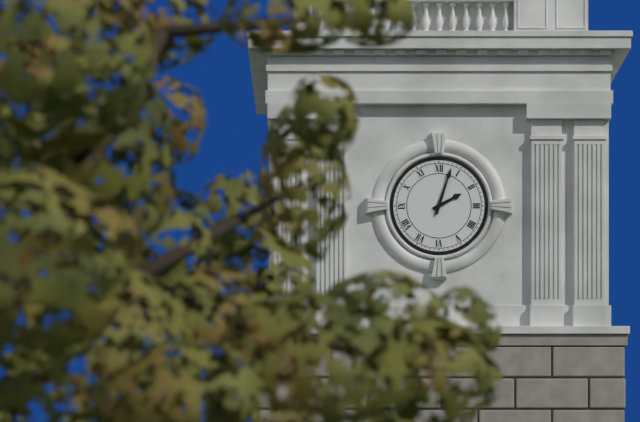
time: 2:03
